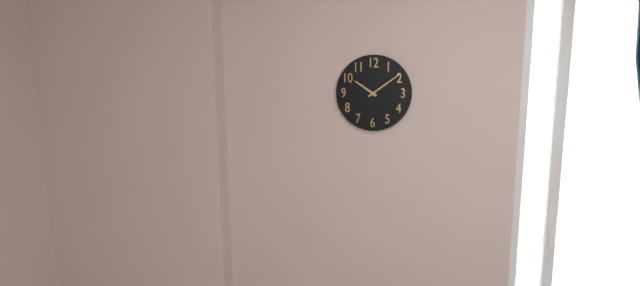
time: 10:09
